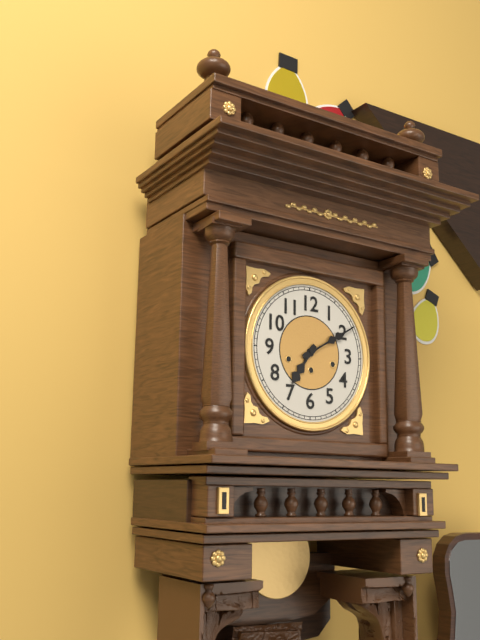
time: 7:10
